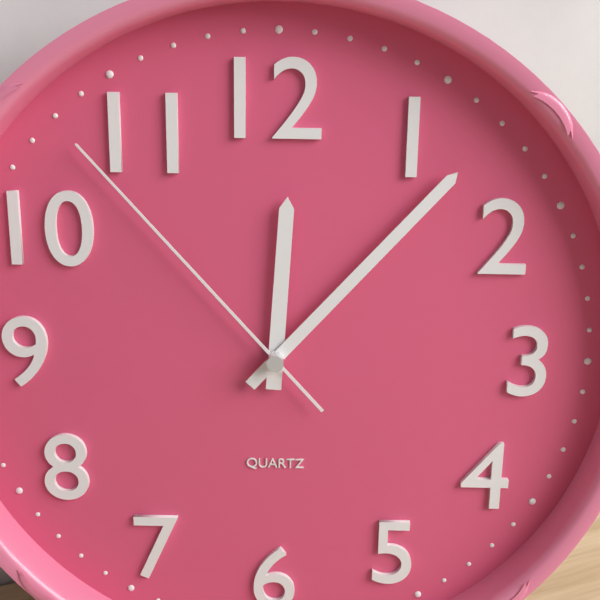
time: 12:07:53
